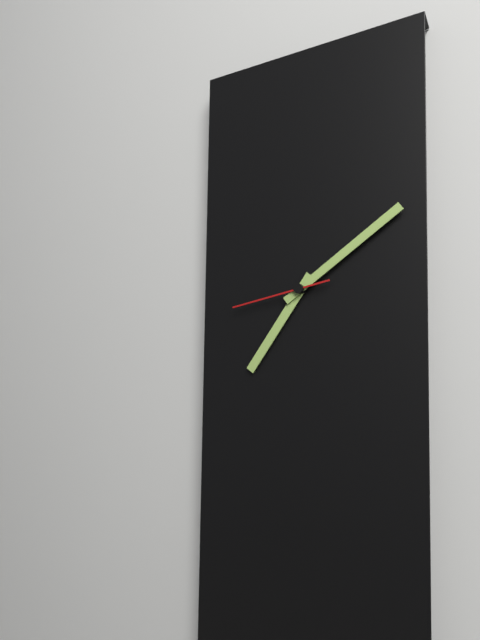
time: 7:09:43
